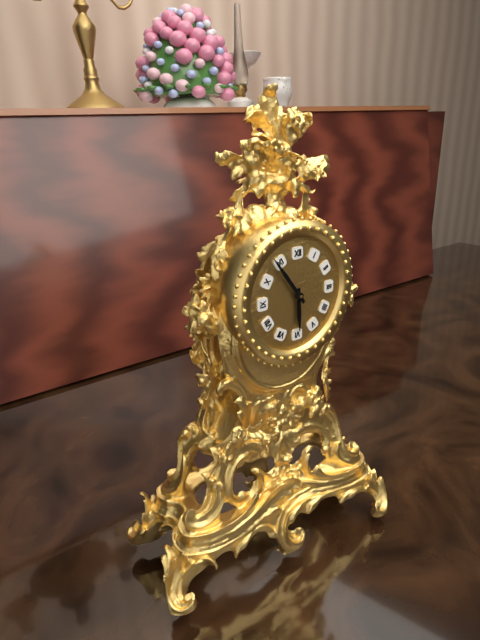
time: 5:54
